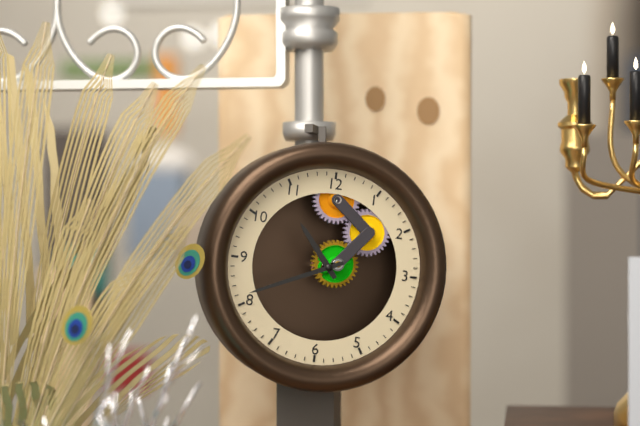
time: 10:41
